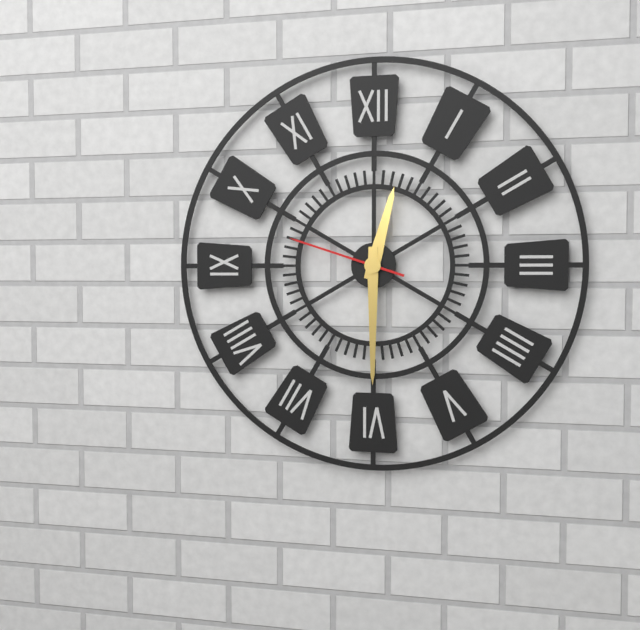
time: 12:30:48
